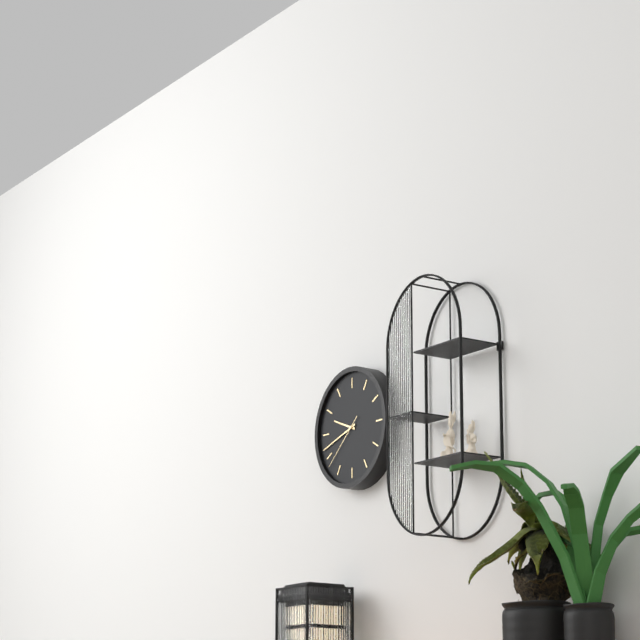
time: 9:42:38
